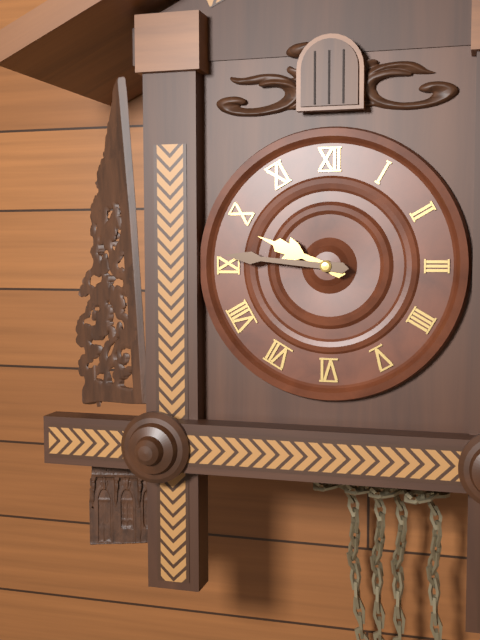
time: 9:46
